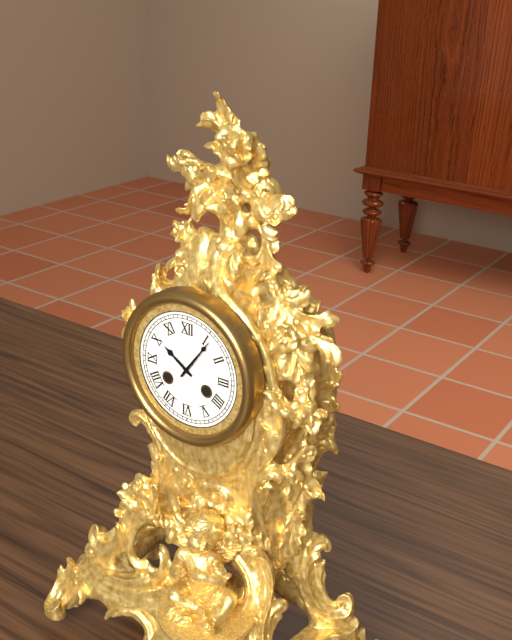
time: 10:06
